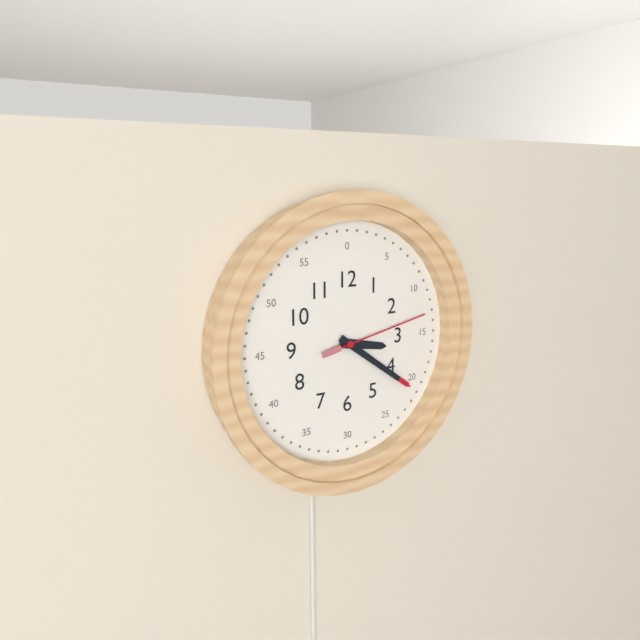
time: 3:21:13
